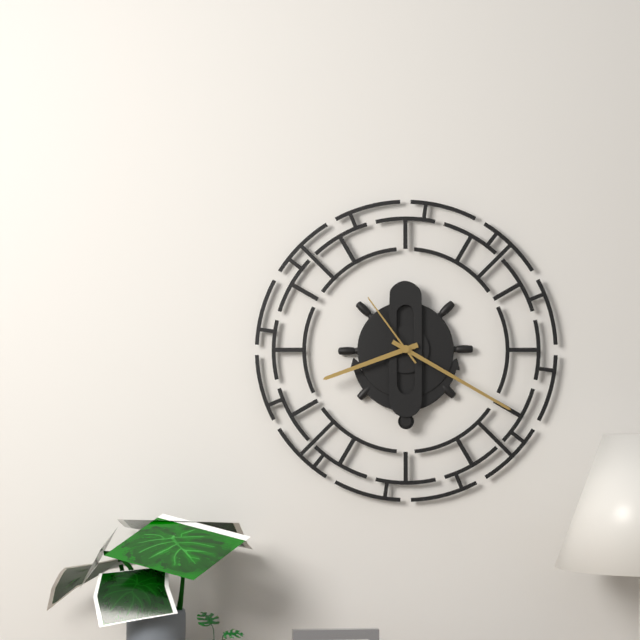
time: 8:20:54
